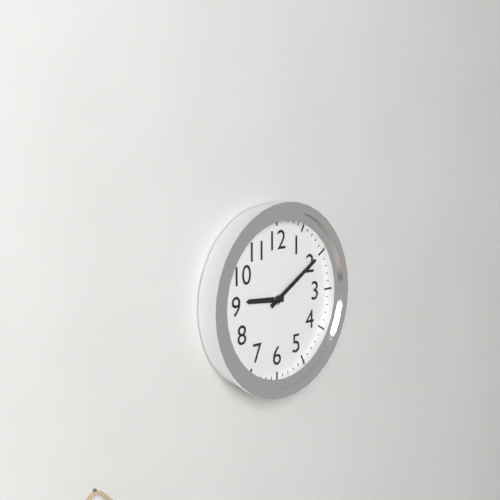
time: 9:10
